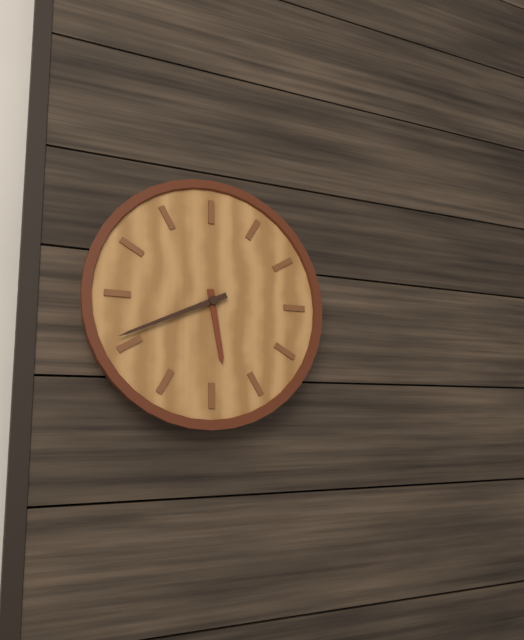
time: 5:41
